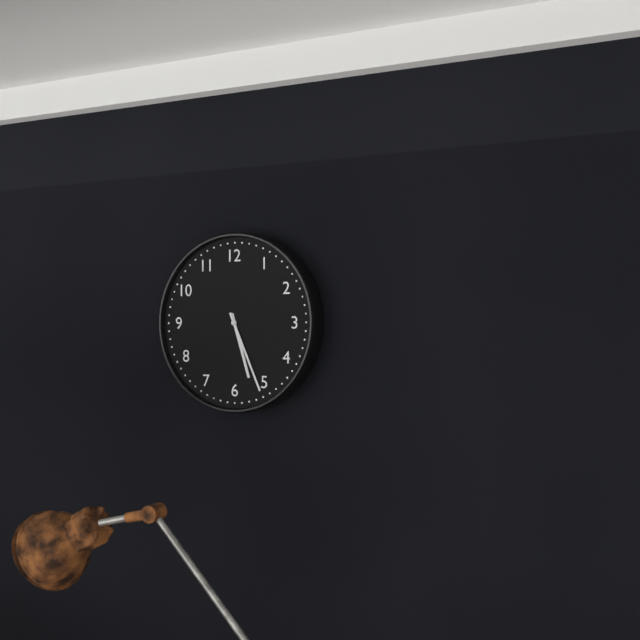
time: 5:26
